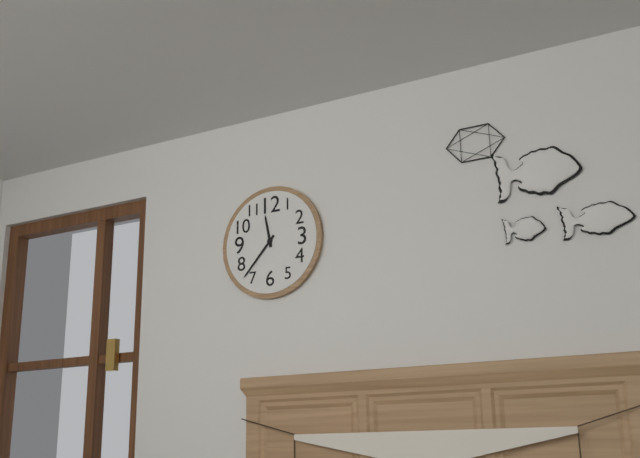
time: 11:37
